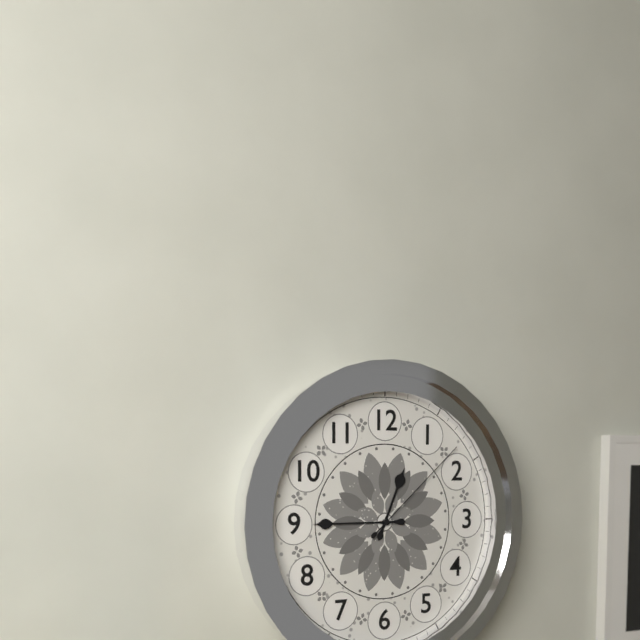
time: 12:45:08
